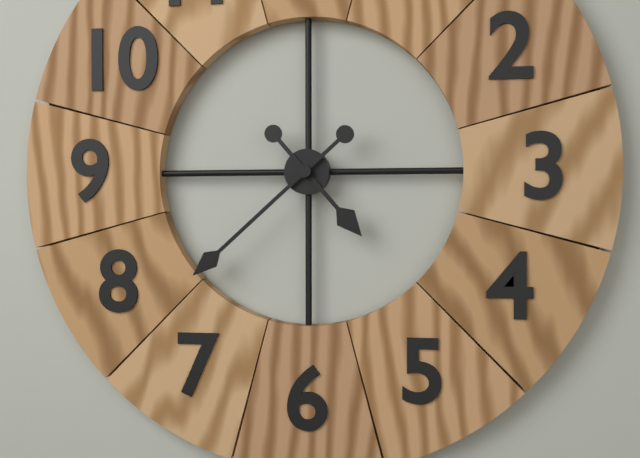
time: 4:38
